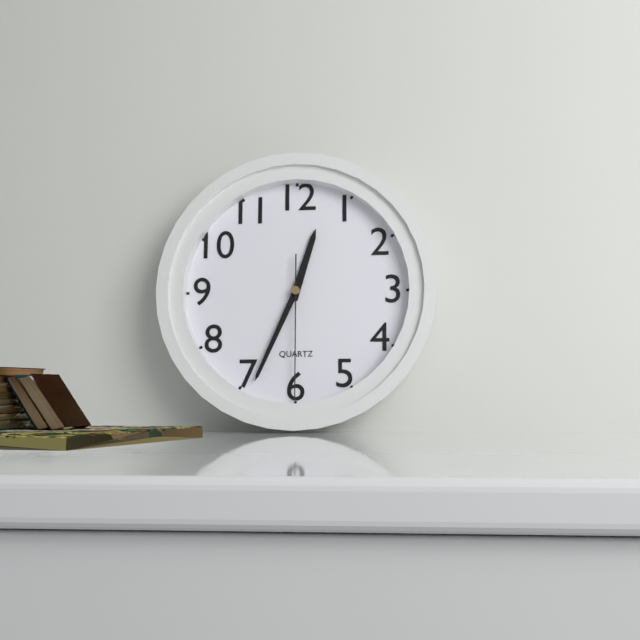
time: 12:34:30
